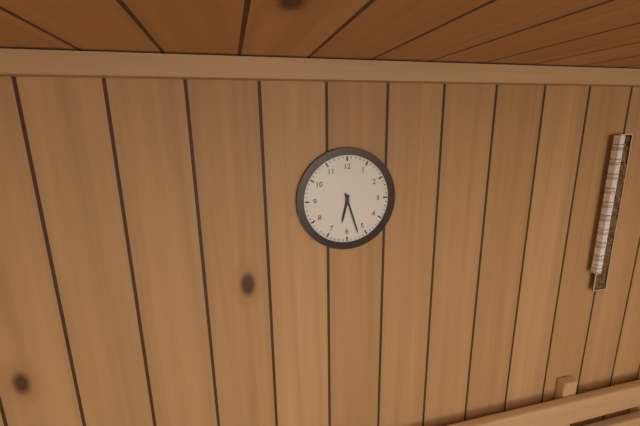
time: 6:27
